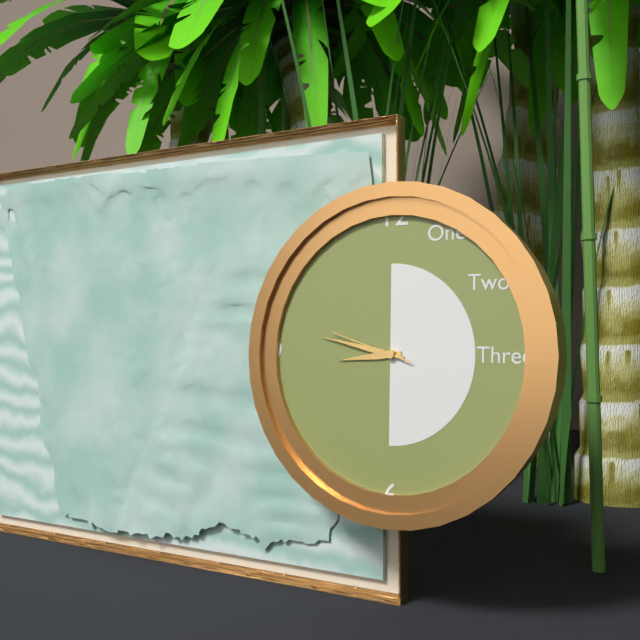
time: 8:47:48
